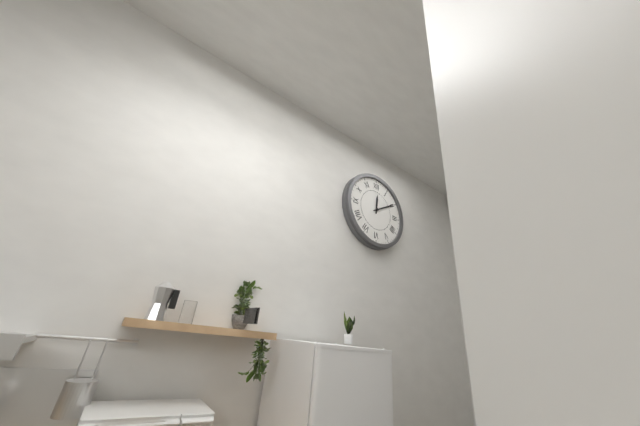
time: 12:10
